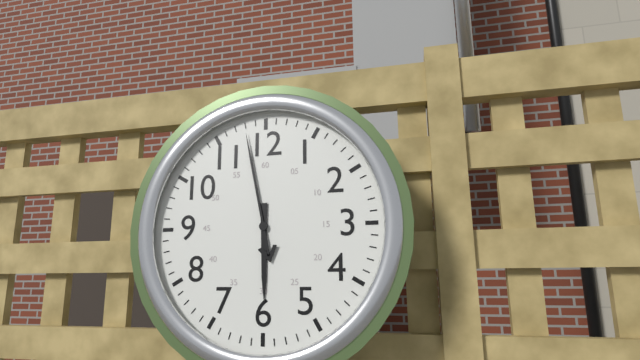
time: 5:58
